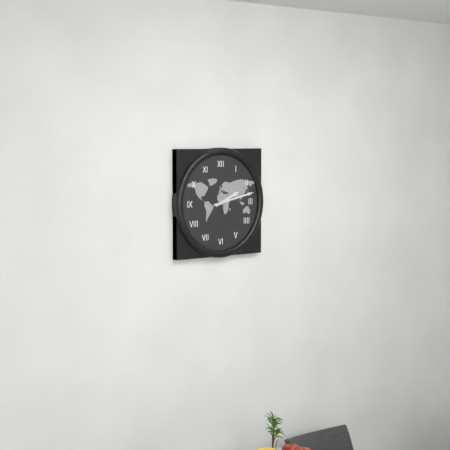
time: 2:13
